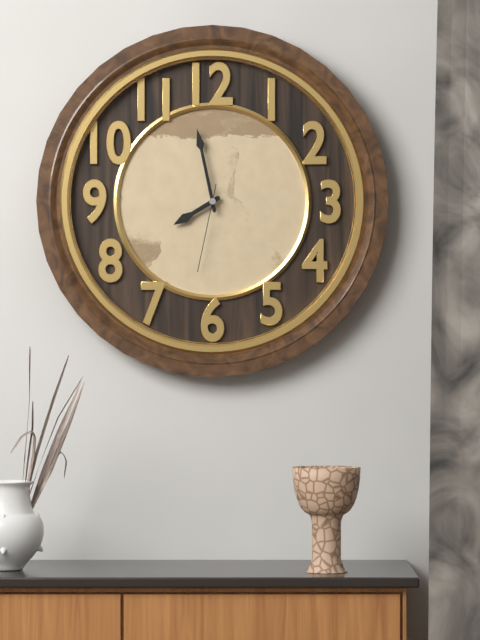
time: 7:58:32
